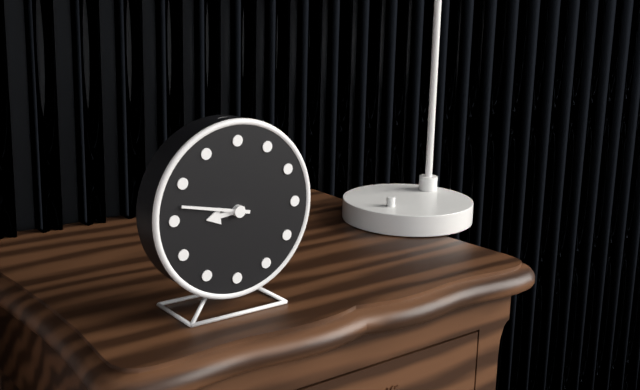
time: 8:47
